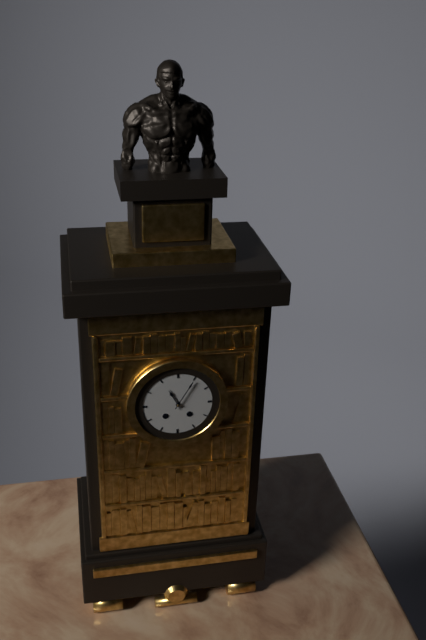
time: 11:05
